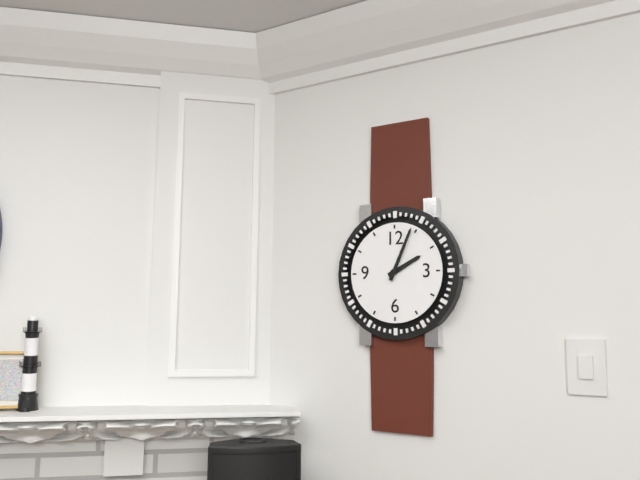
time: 2:04
